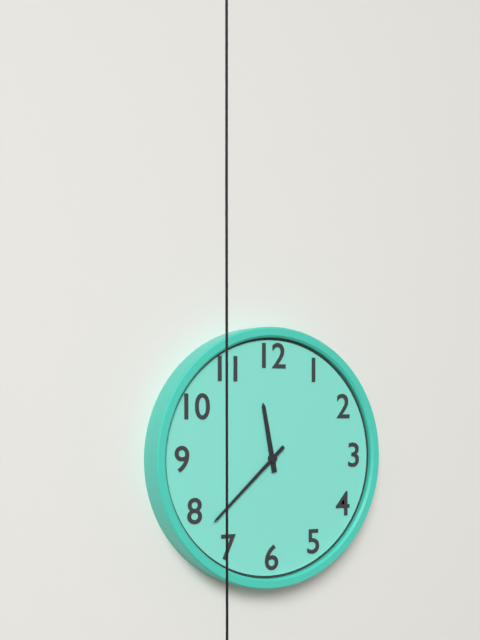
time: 11:38
